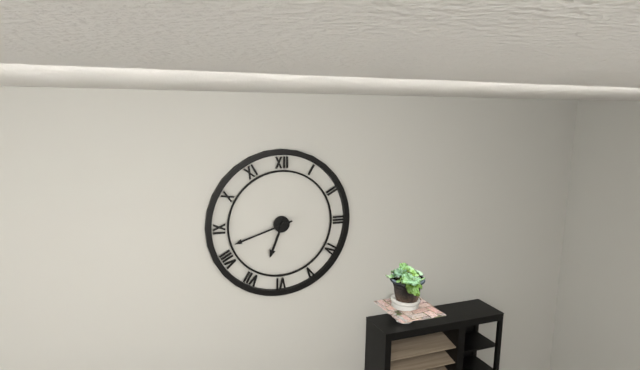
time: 6:42
